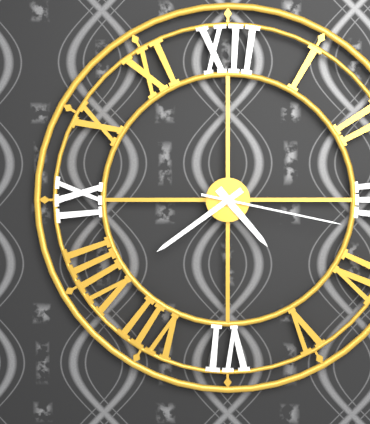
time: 4:39:17
